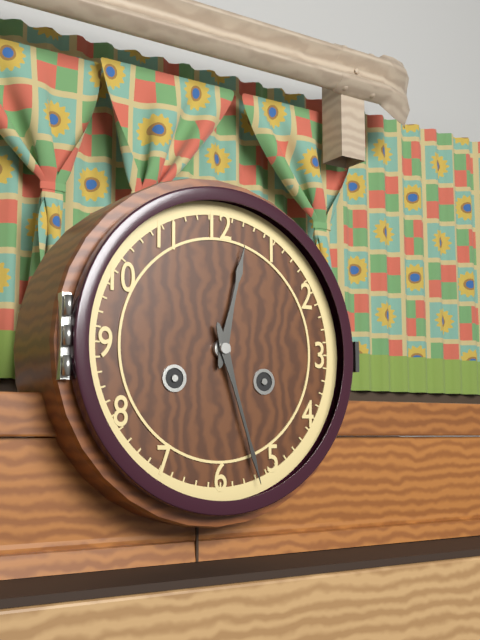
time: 12:27
